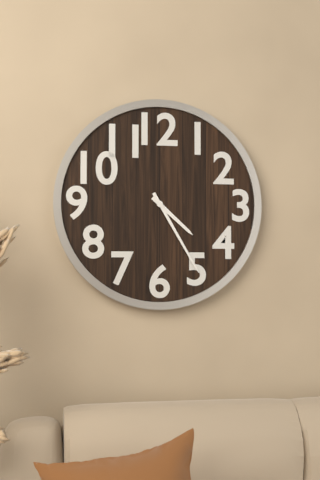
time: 4:25
